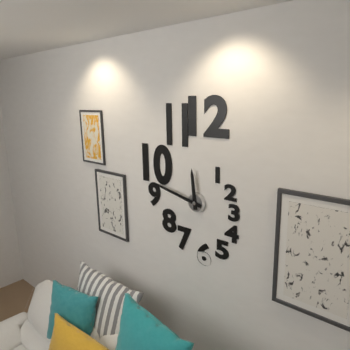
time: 11:47
